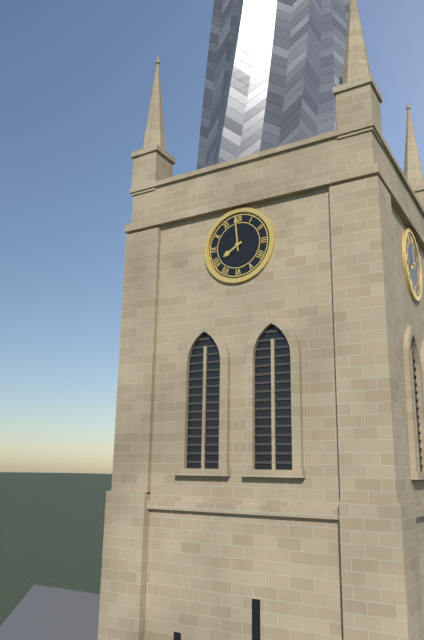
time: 7:59
